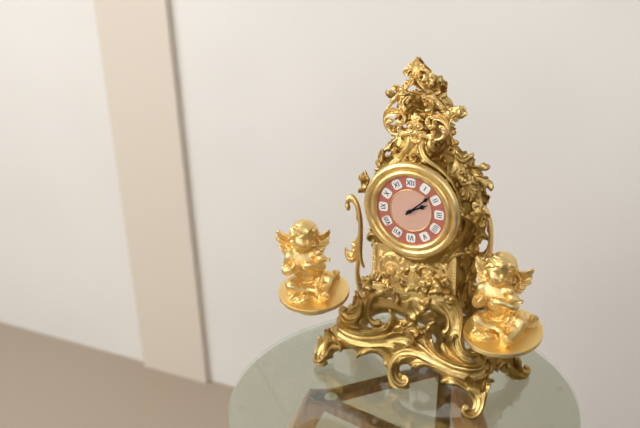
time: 2:08
